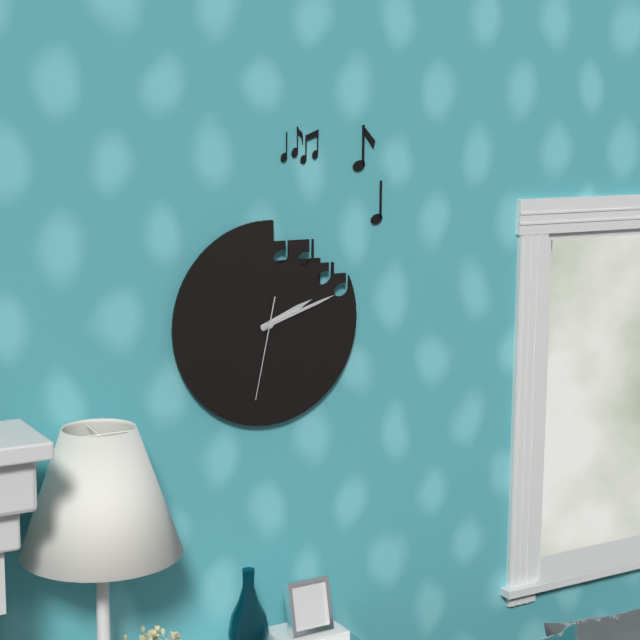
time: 2:12:32
